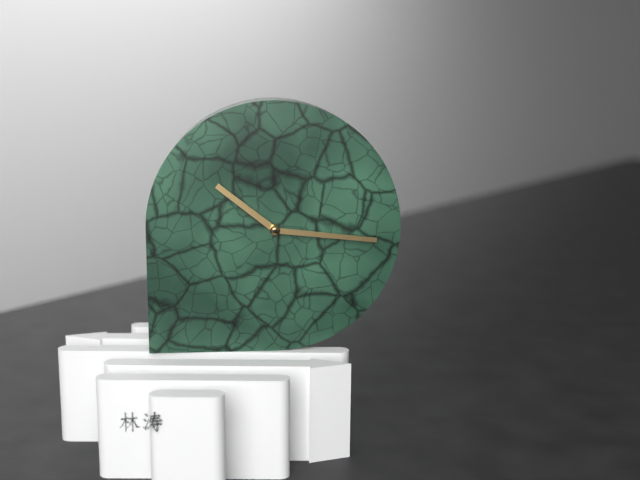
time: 10:16
